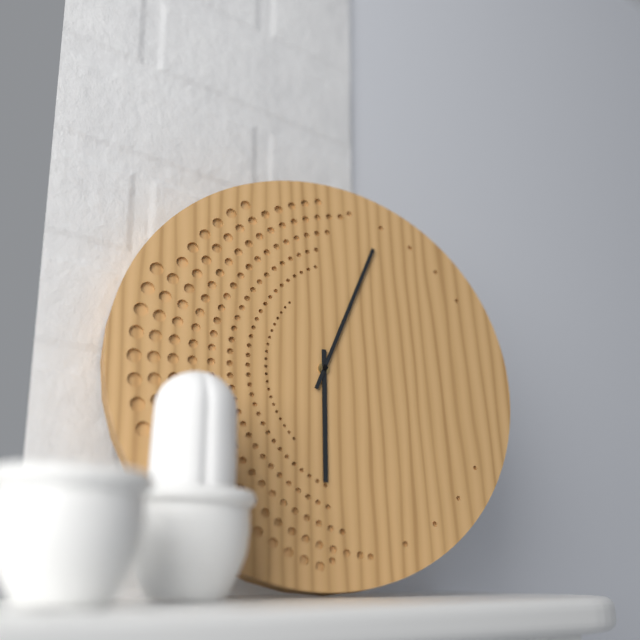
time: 6:04
